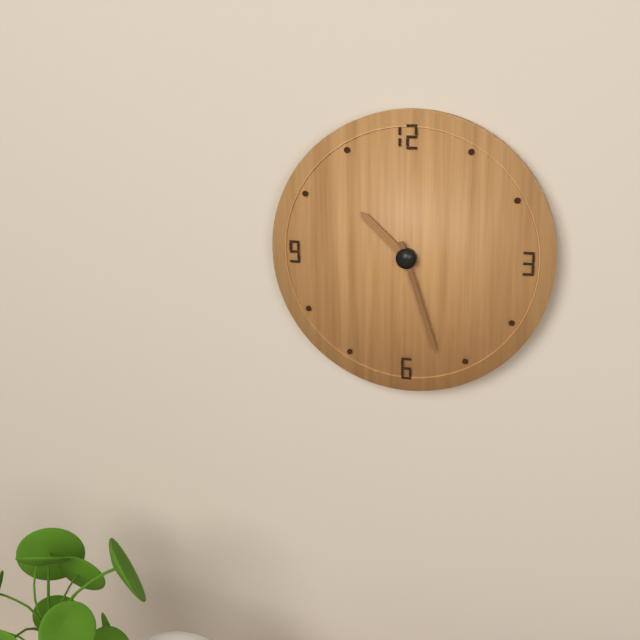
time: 10:27
